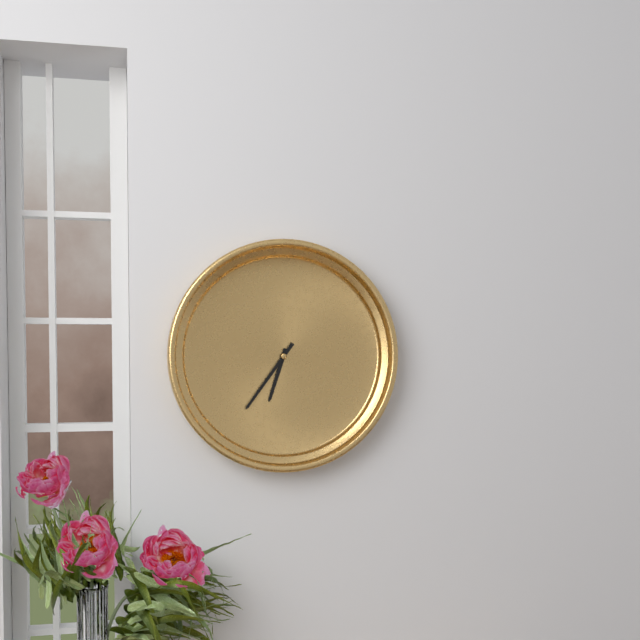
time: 6:36
